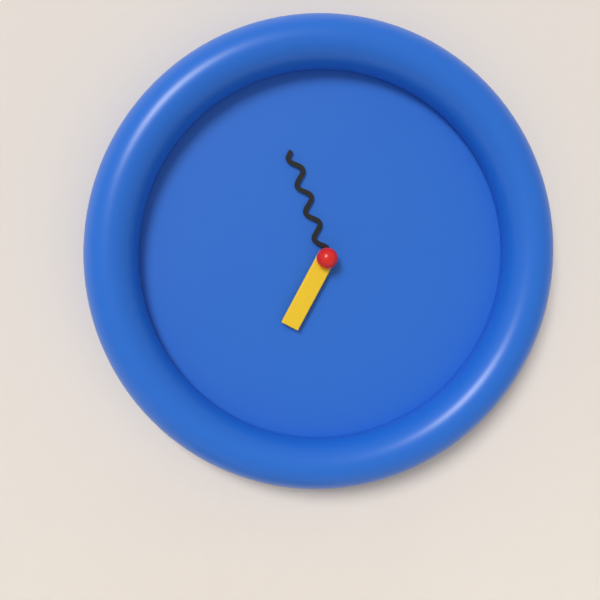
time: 6:57
